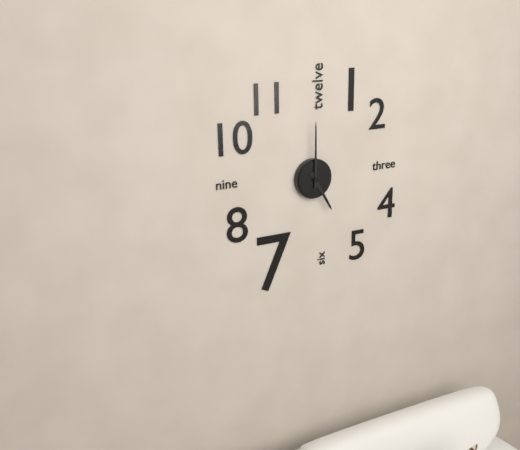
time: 5:00
